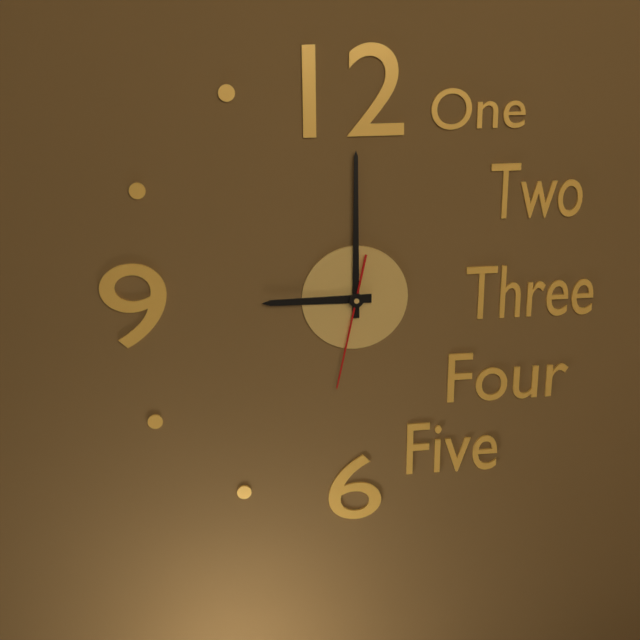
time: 9:00:32
